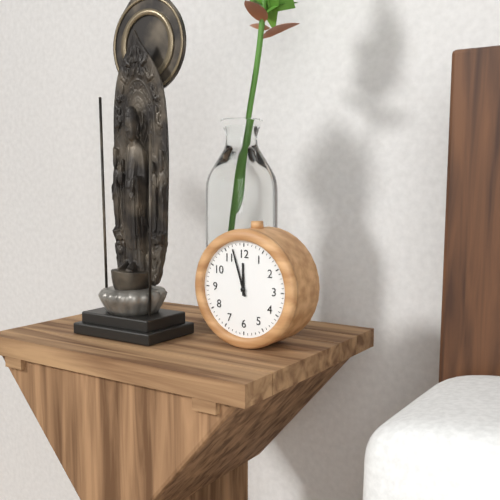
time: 11:57
